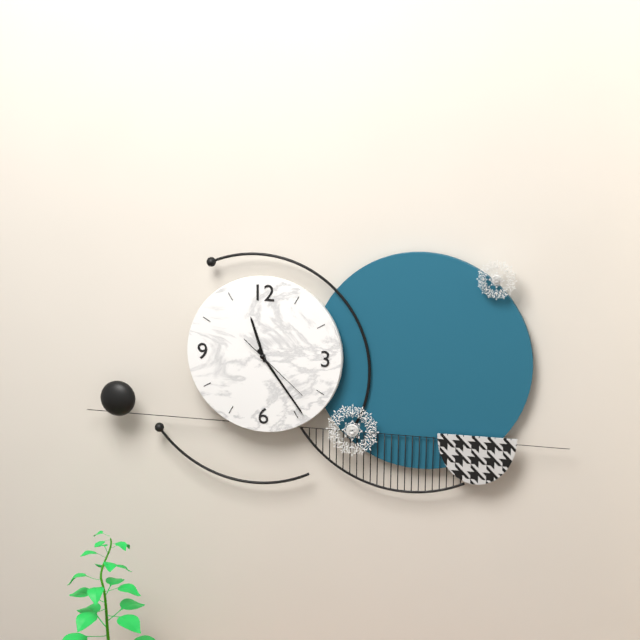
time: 11:24:22
